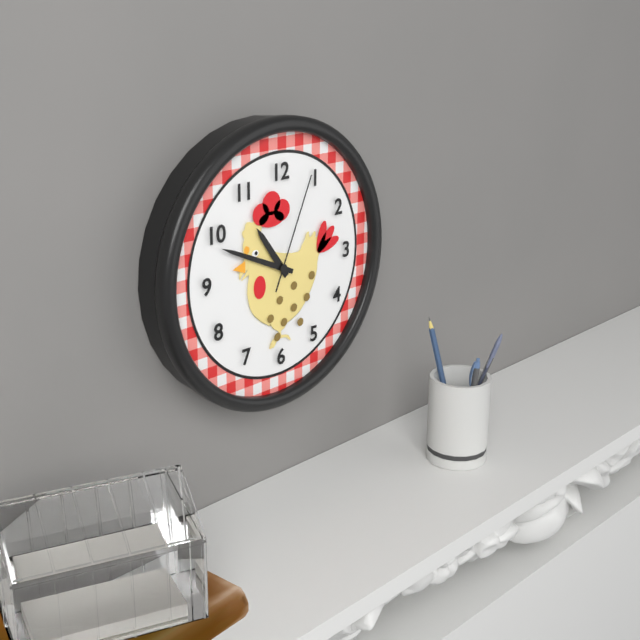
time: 10:49:04
